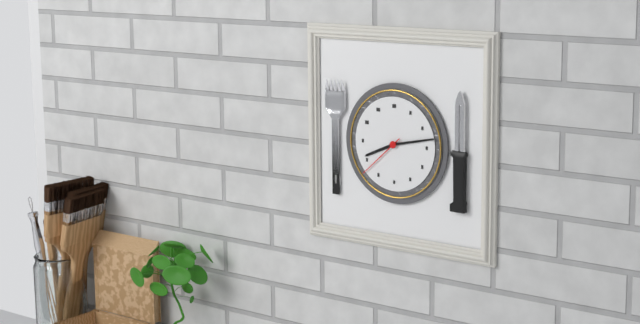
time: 8:13:38
